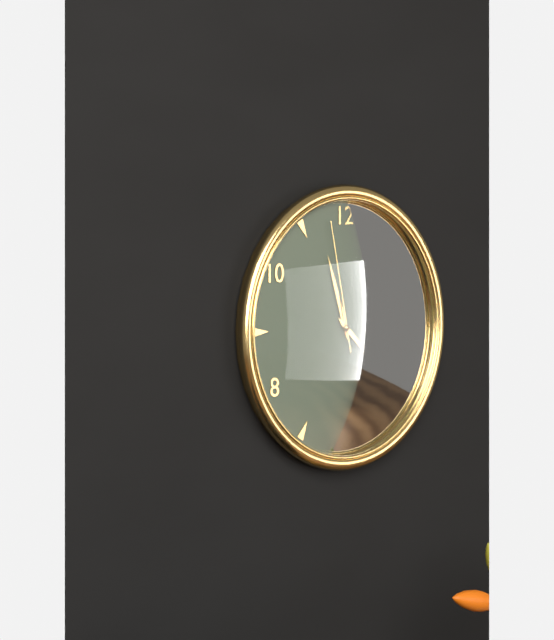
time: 11:22:58
